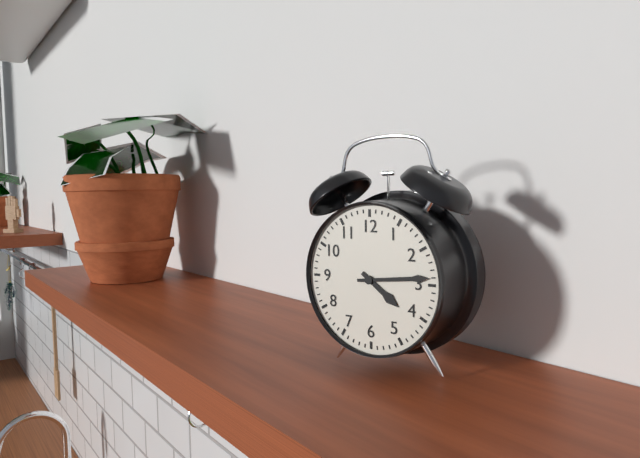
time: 4:14
